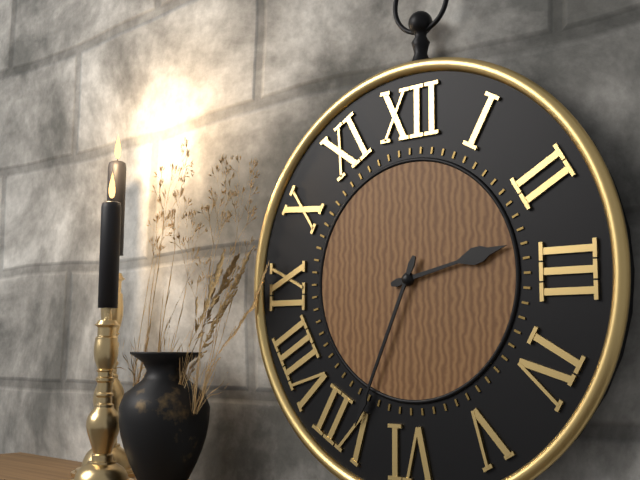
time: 2:34
